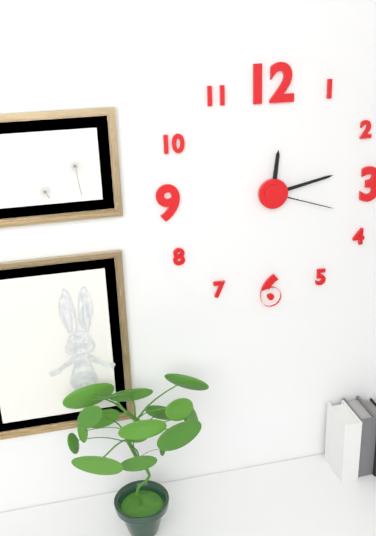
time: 12:13:18
